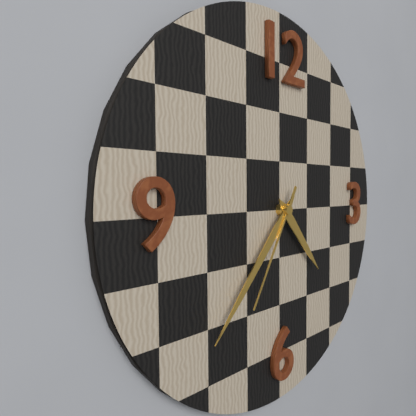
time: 4:37:35
